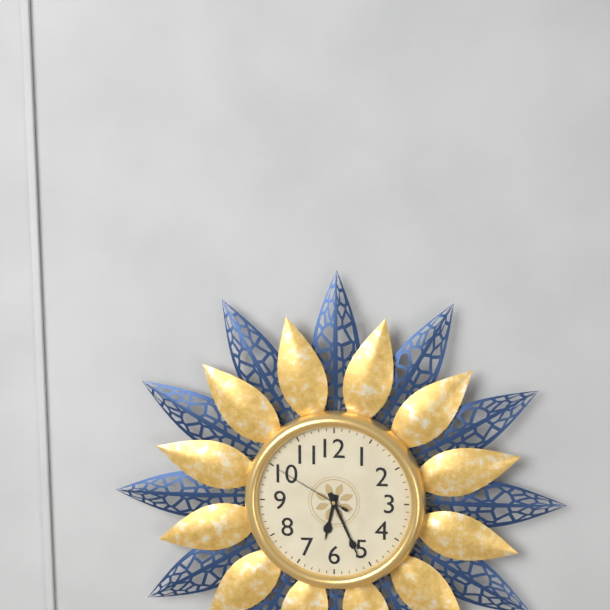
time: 6:26:50
